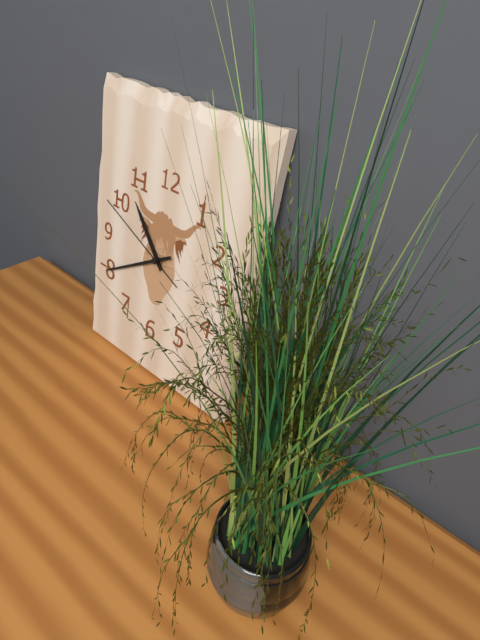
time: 10:40:49
